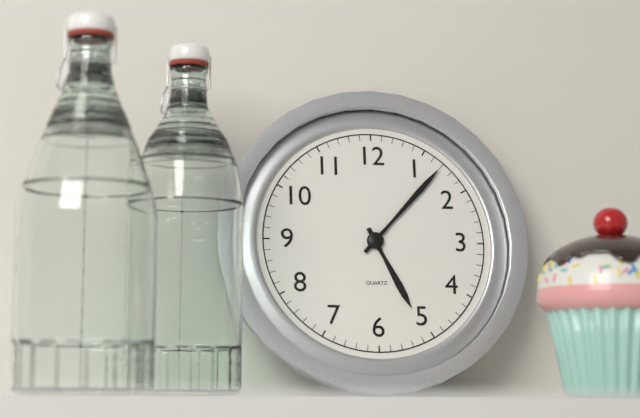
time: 5:07
